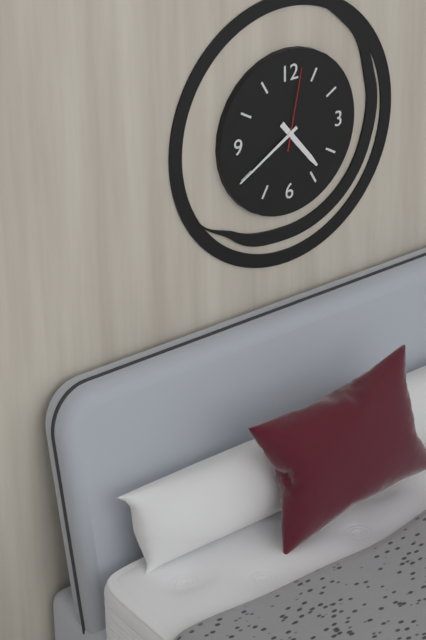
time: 4:40:02
